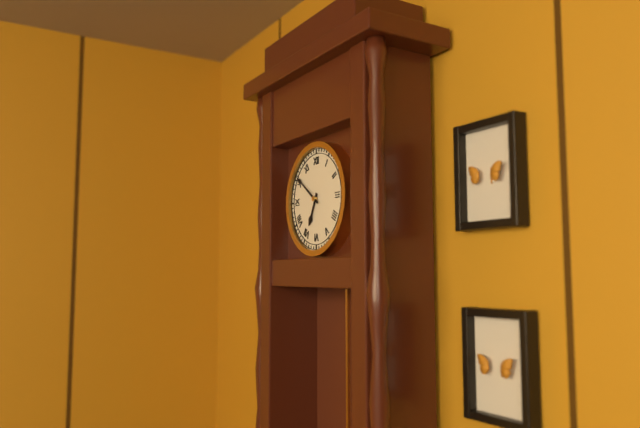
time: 6:51
